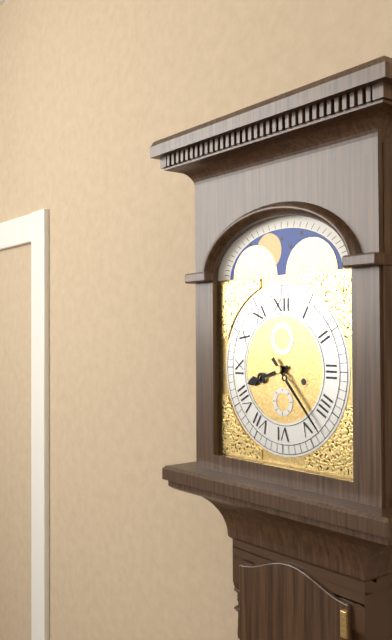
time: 8:23
